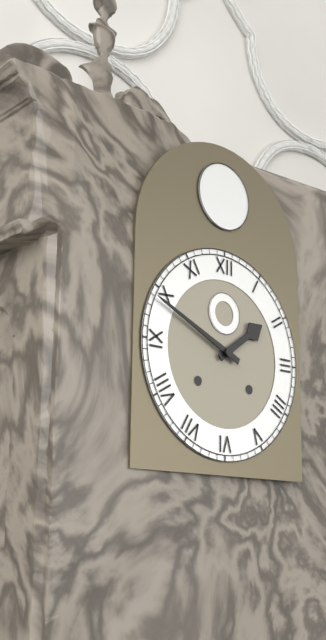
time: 1:49
